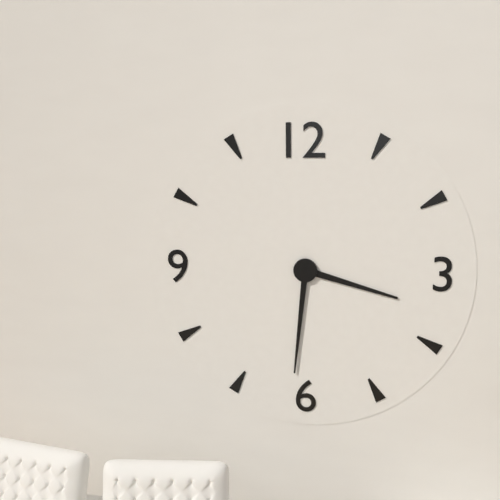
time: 3:31
